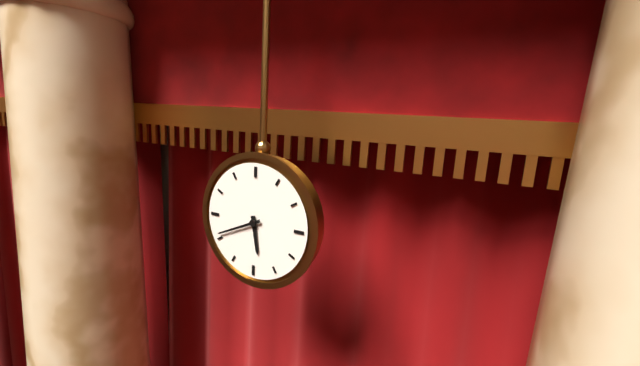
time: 5:41
